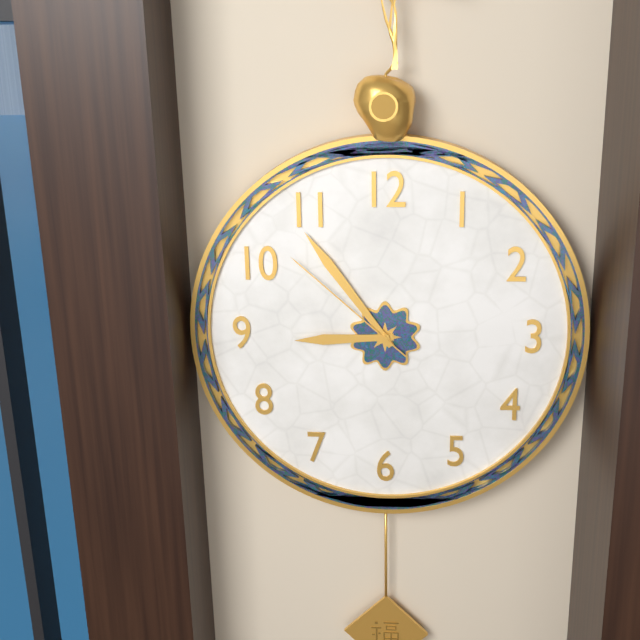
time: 8:54:52
